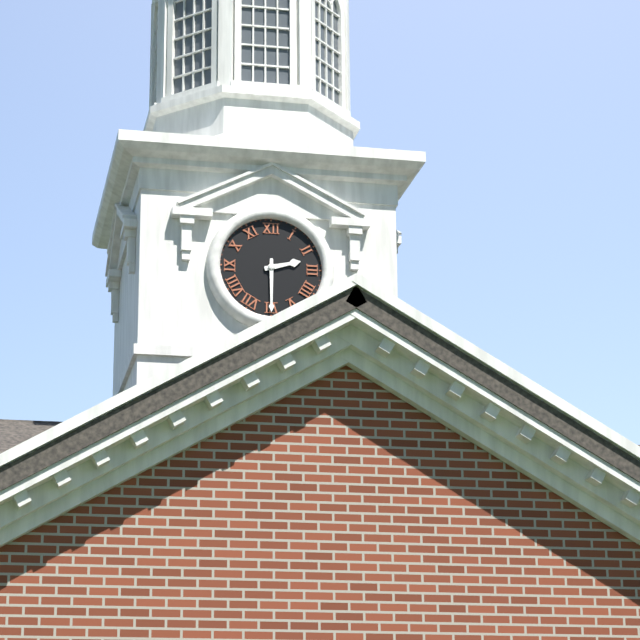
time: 2:30
